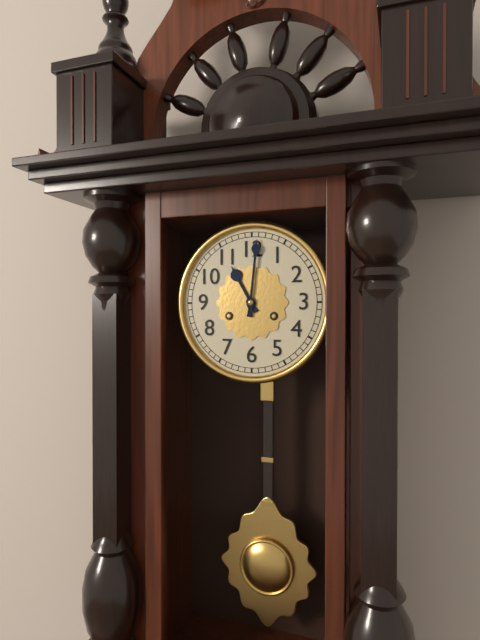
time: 11:01
